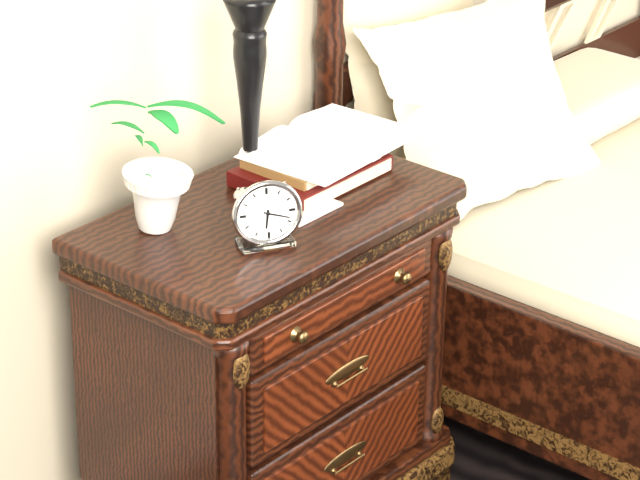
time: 6:18
